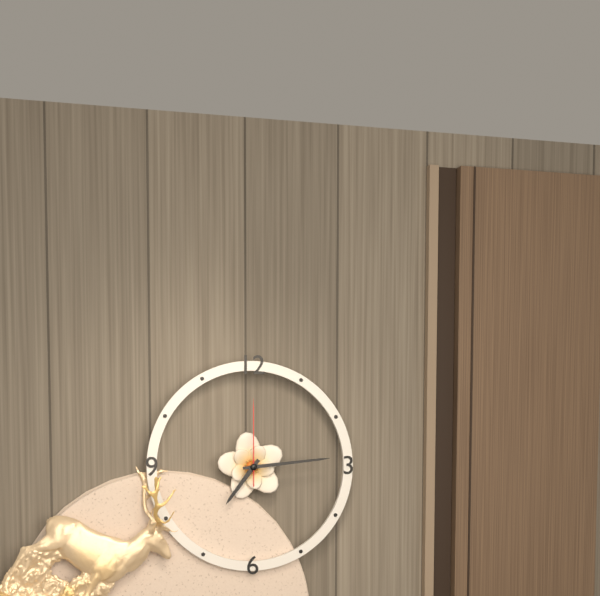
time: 7:14:00
